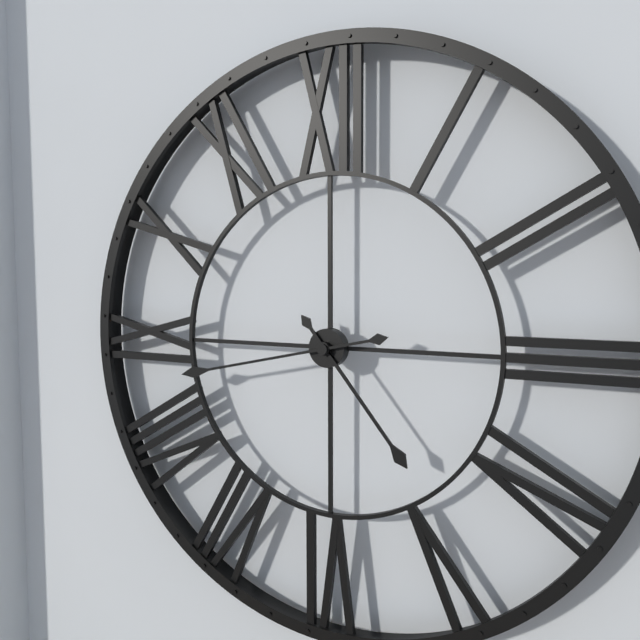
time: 4:43
